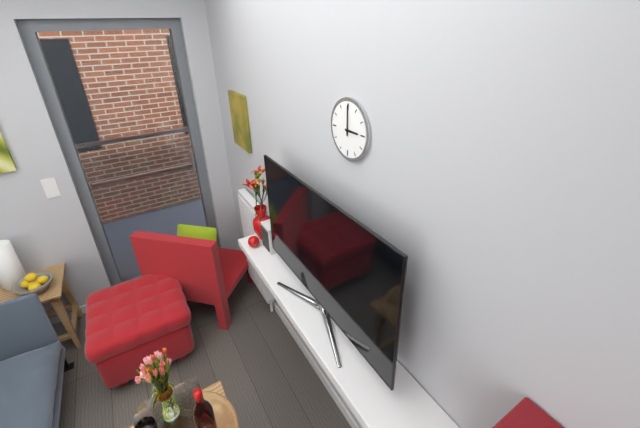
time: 3:00
